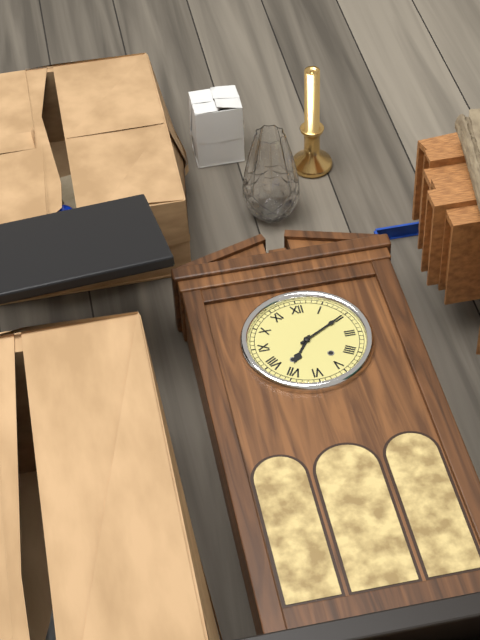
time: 7:10
